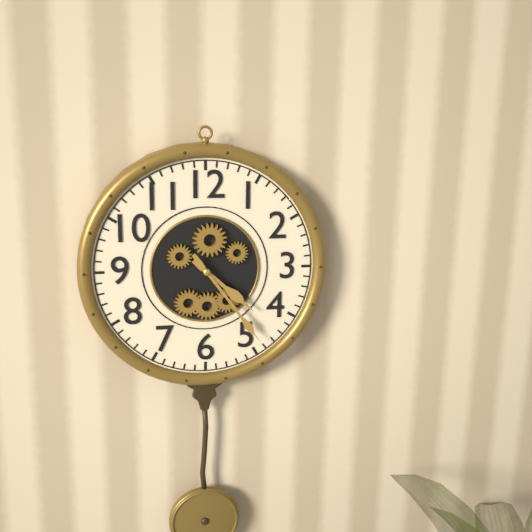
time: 4:24
